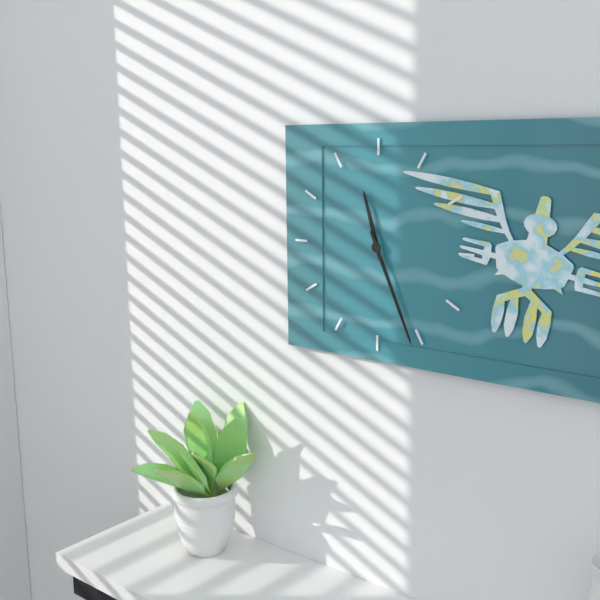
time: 11:26
